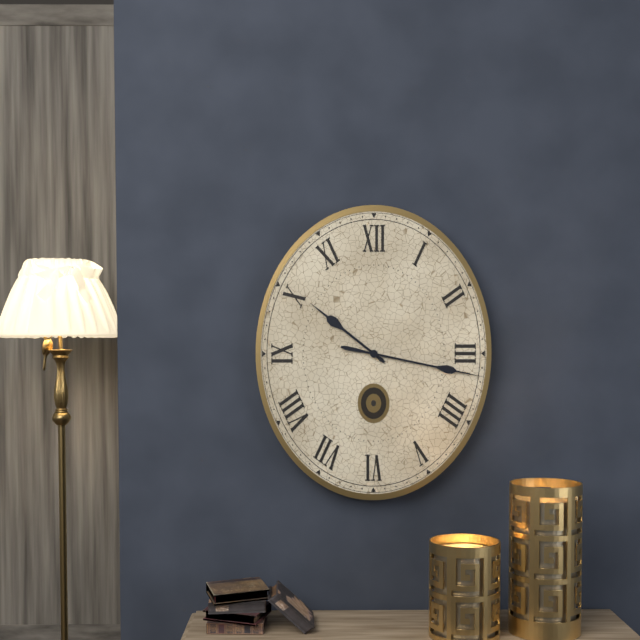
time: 10:17
